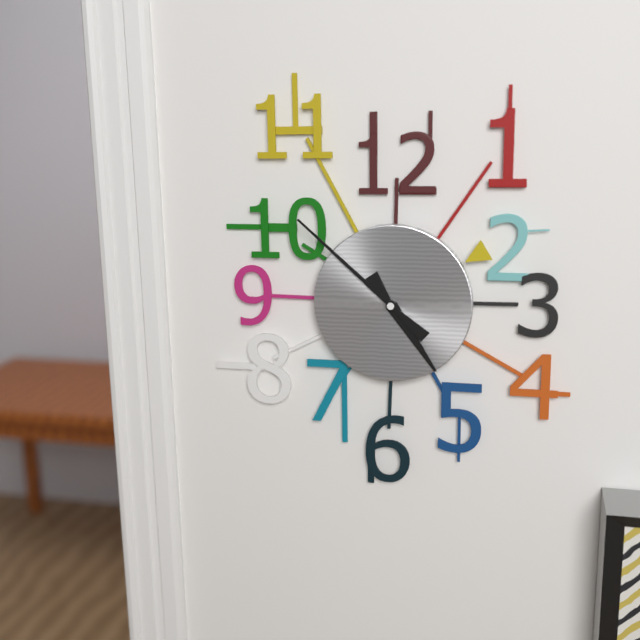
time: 4:52
